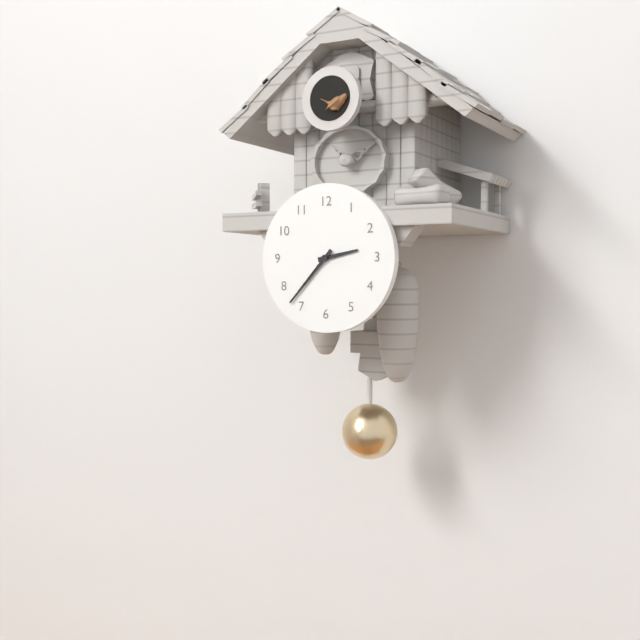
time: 2:37
